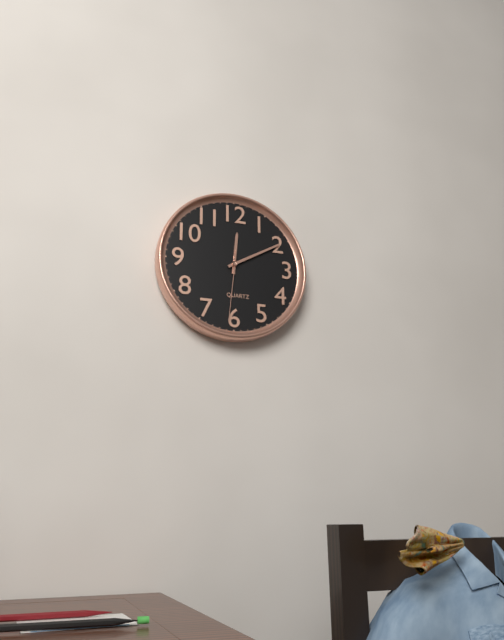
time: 12:10:31
